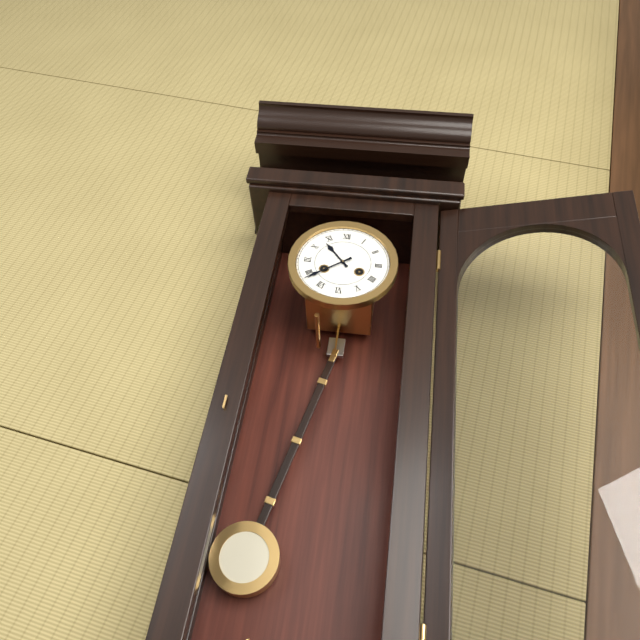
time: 10:39
